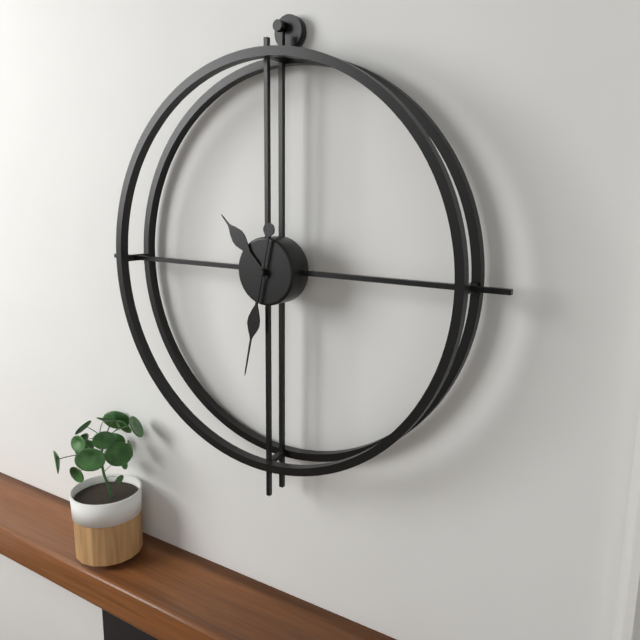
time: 10:32
